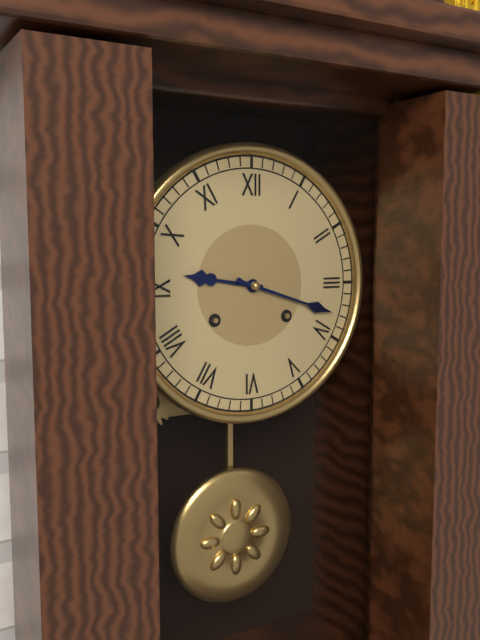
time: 9:18
